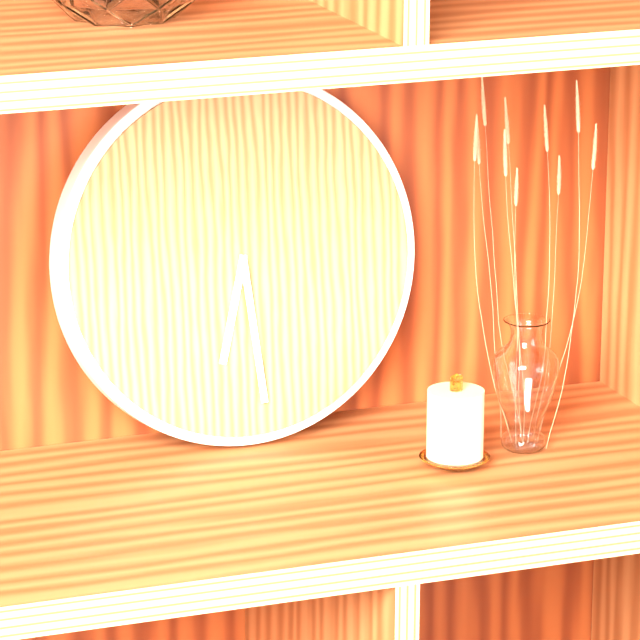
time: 6:29
